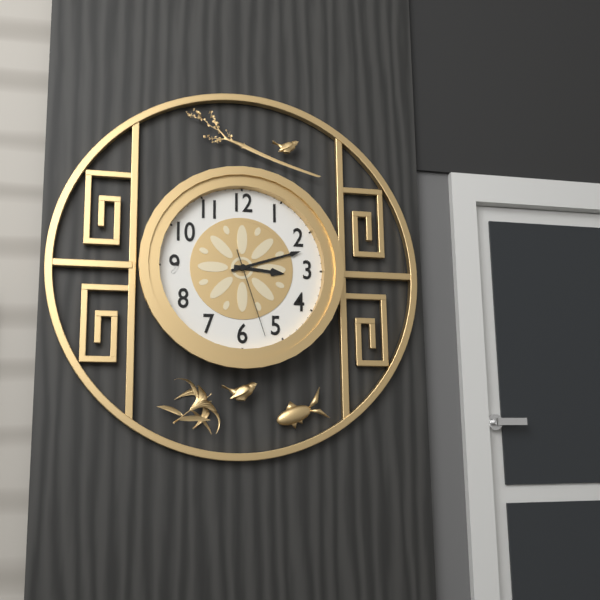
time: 3:12:27
